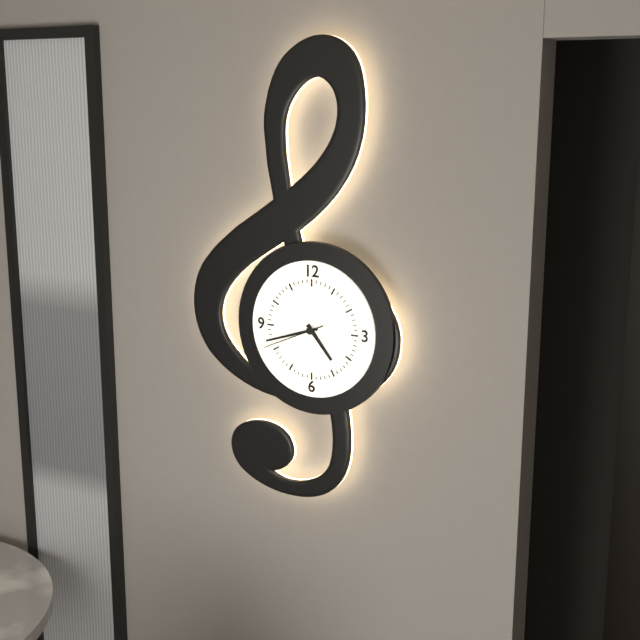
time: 4:42:41
